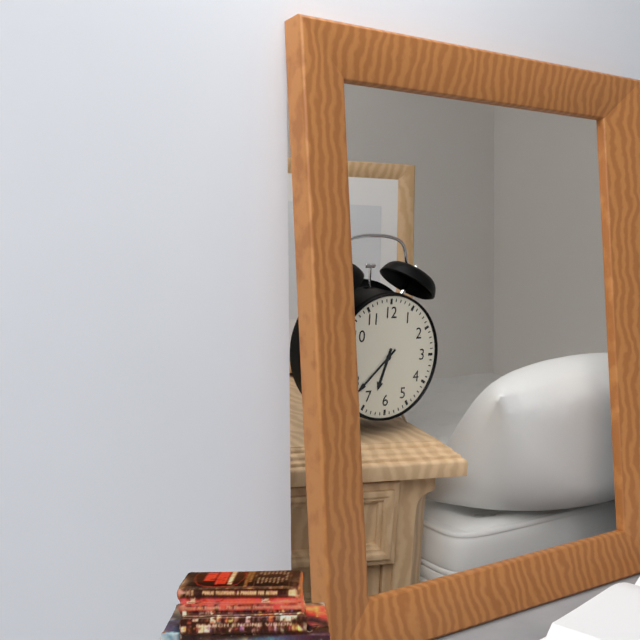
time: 6:38
